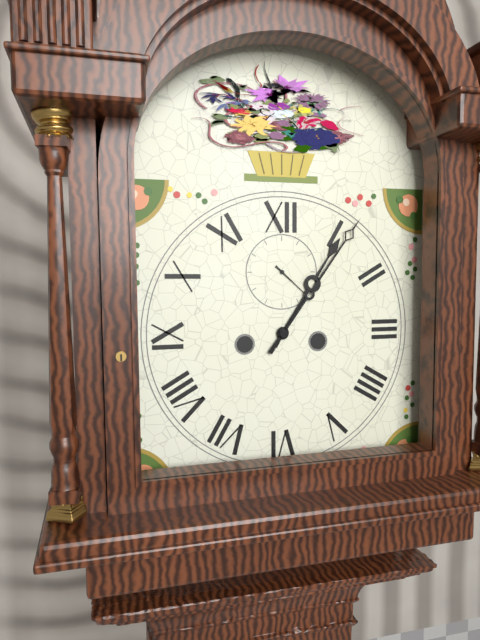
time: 1:06
